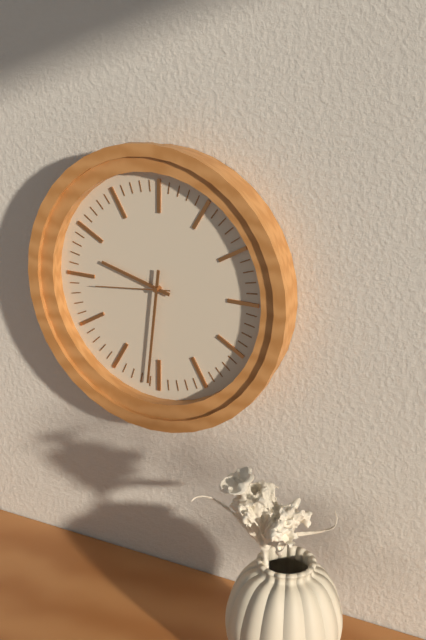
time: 9:31:44
